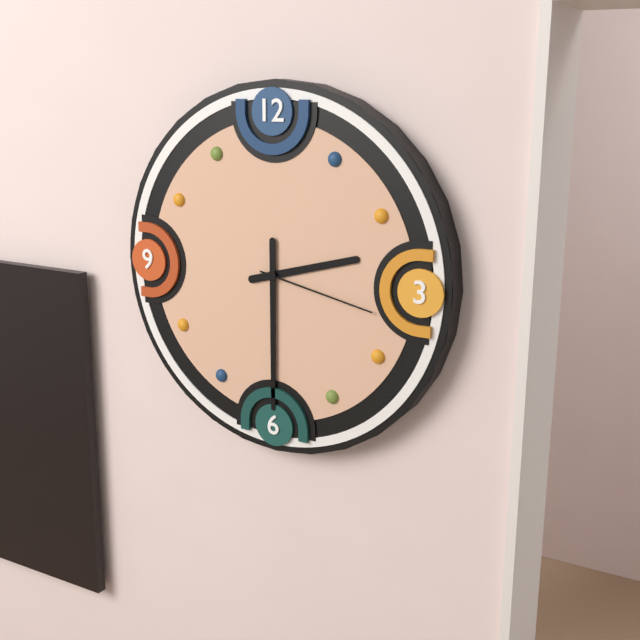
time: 2:30:17
